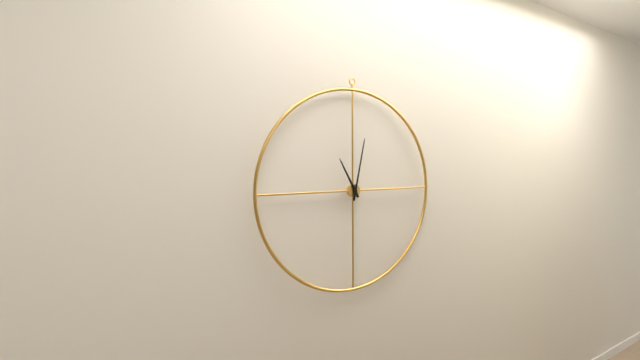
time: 11:02
